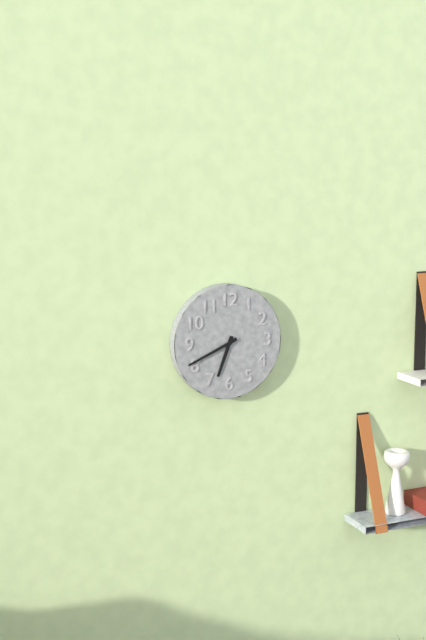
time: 6:41
